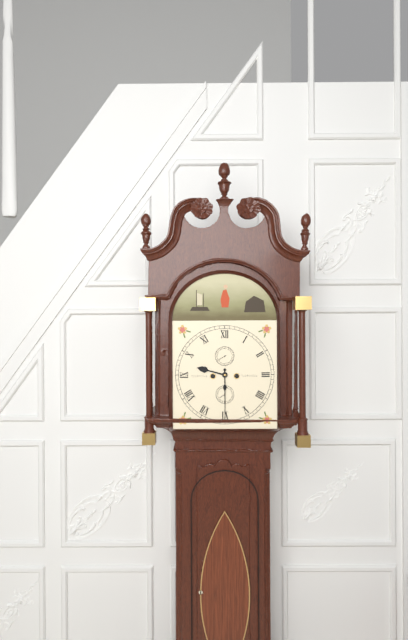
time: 9:30
